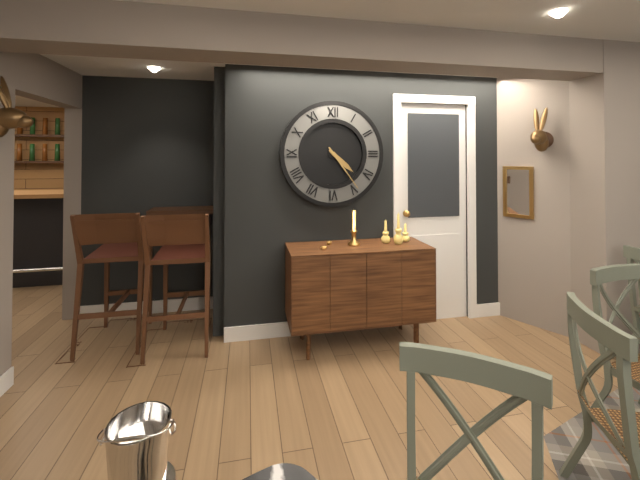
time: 4:24
